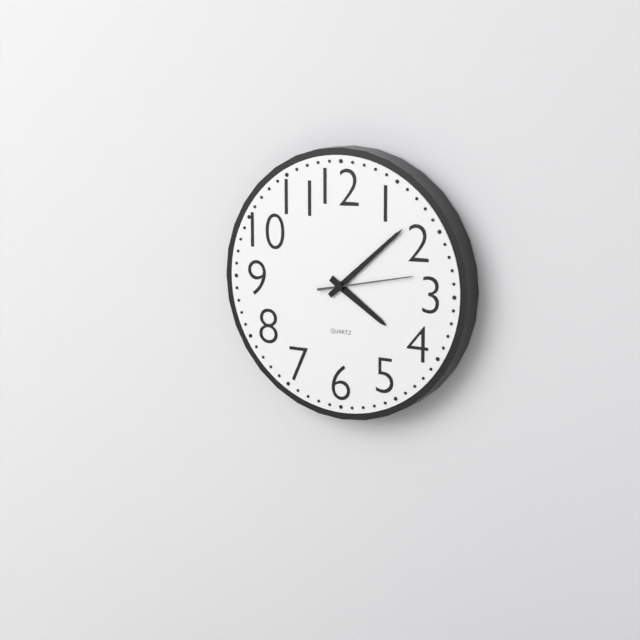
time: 4:08:13
